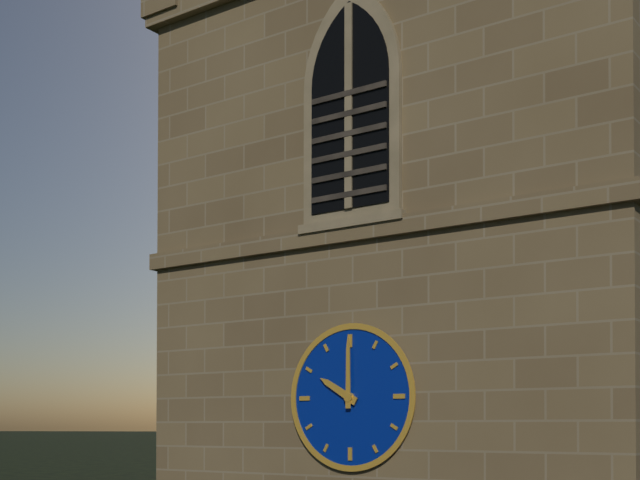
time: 10:00
